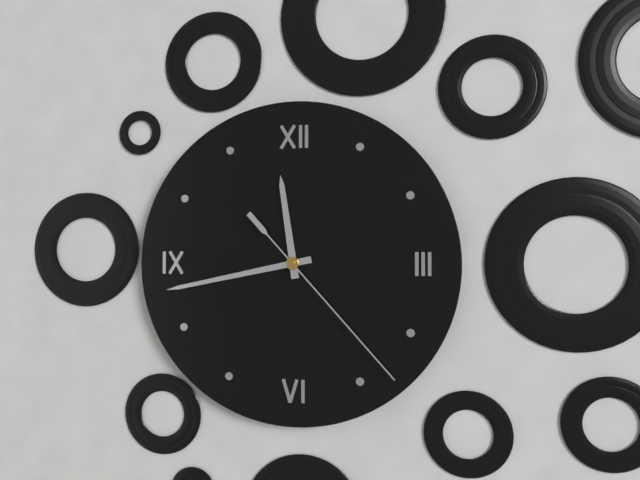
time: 11:43:23
